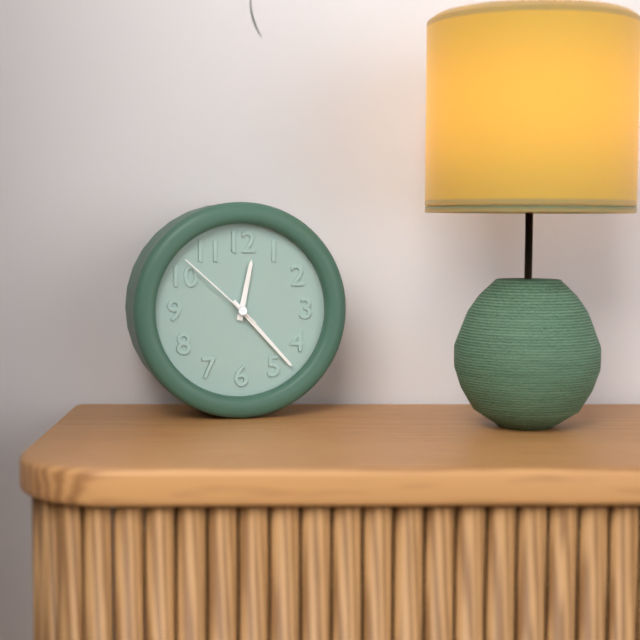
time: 12:23:52
